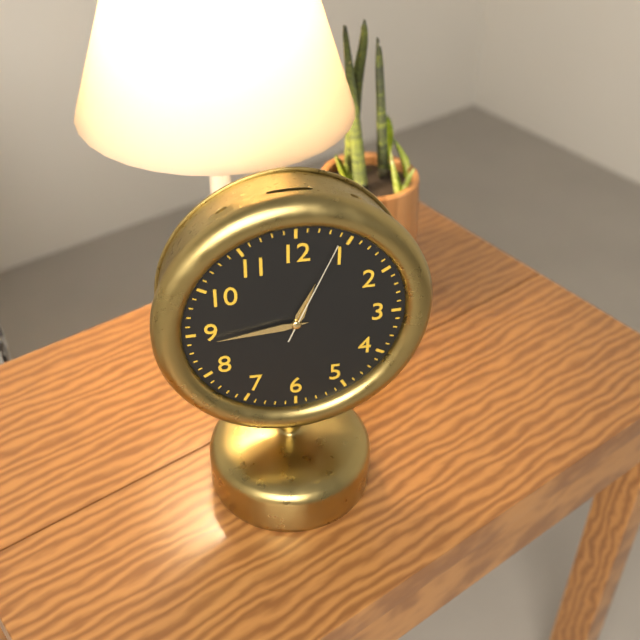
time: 12:44:04
